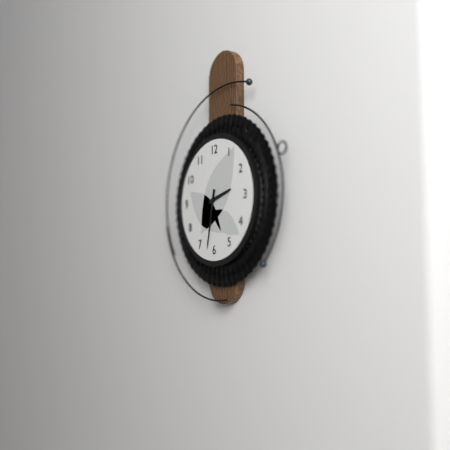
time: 2:32
